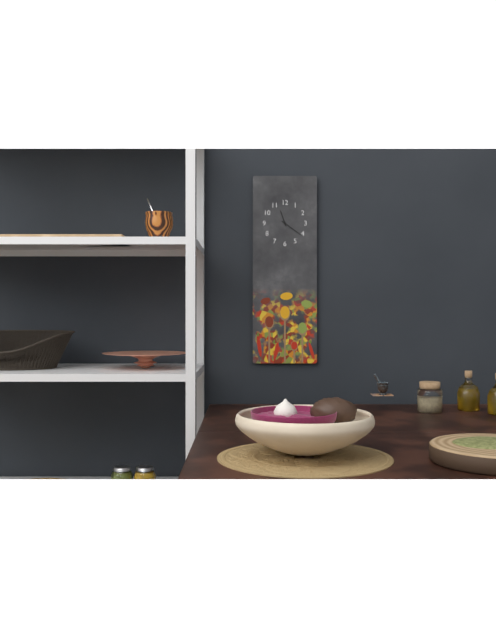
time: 11:21
